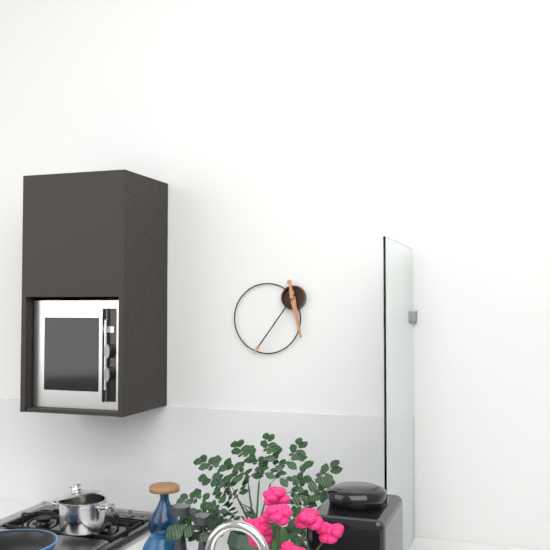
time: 5:36
